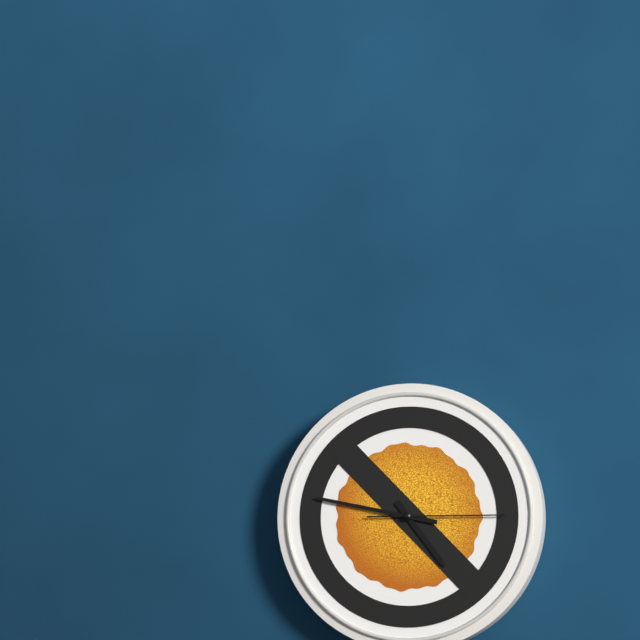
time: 4:47:15
